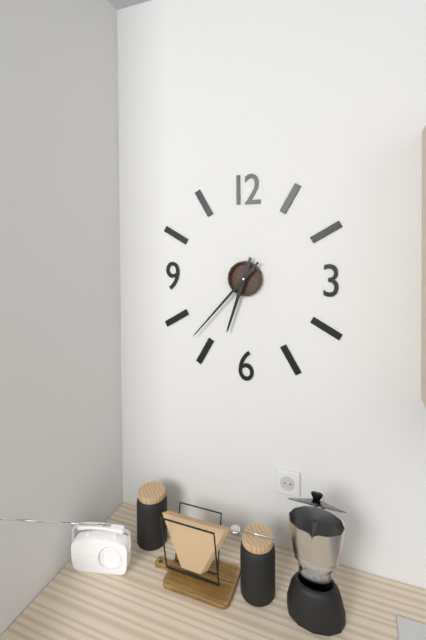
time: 6:37
